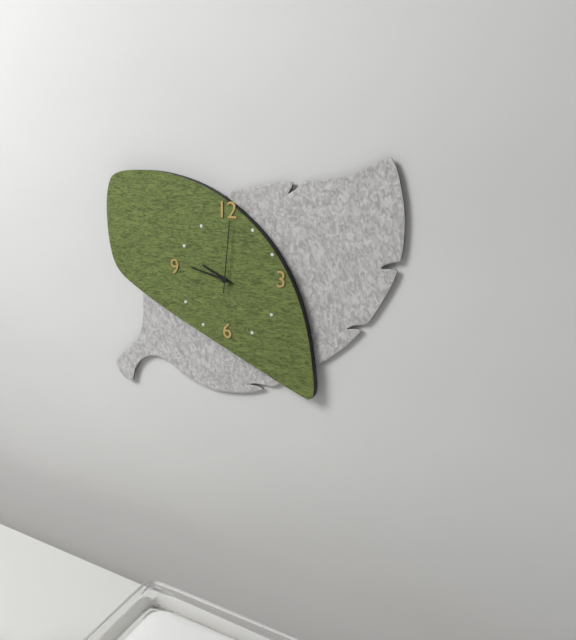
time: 9:47:01
